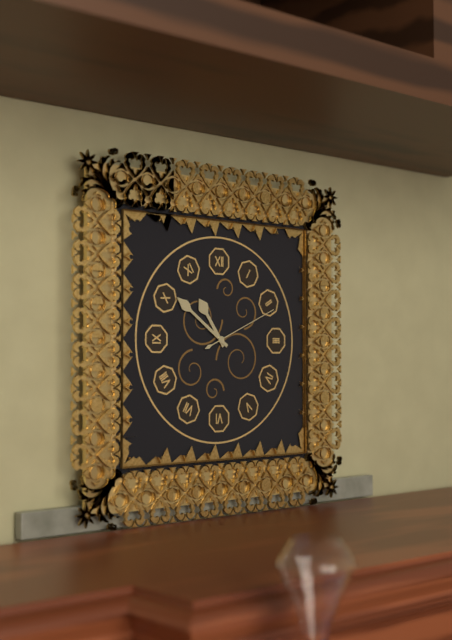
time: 10:51:11
